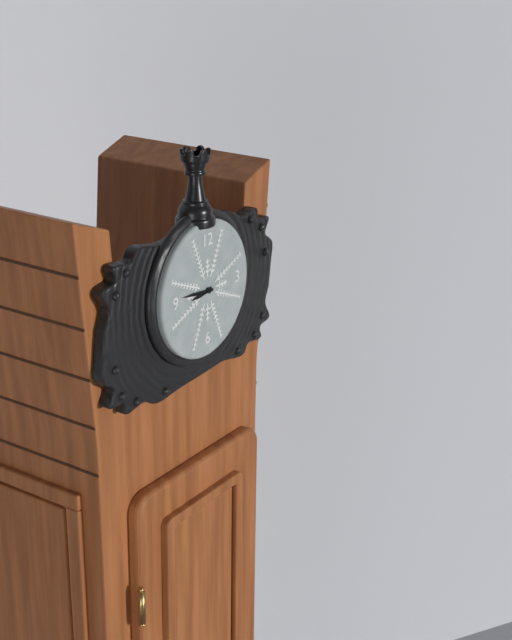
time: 8:46
